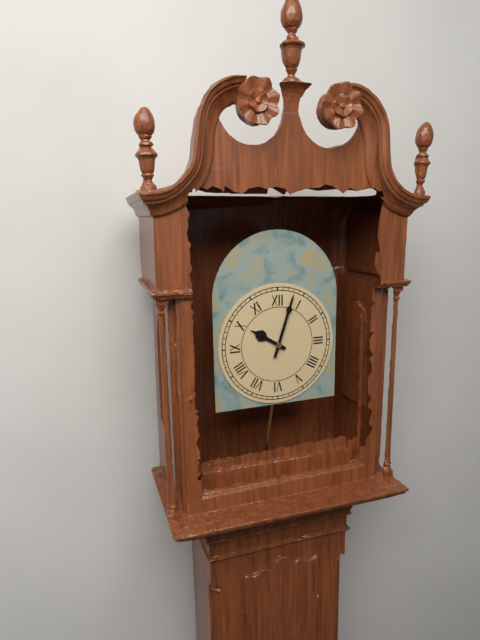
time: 10:03
